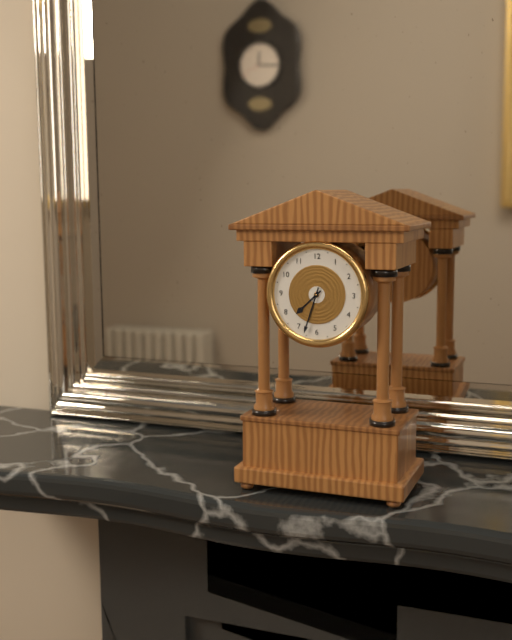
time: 7:33
